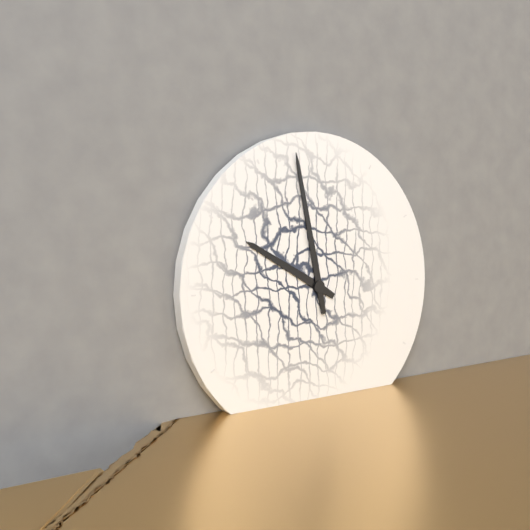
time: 9:58
